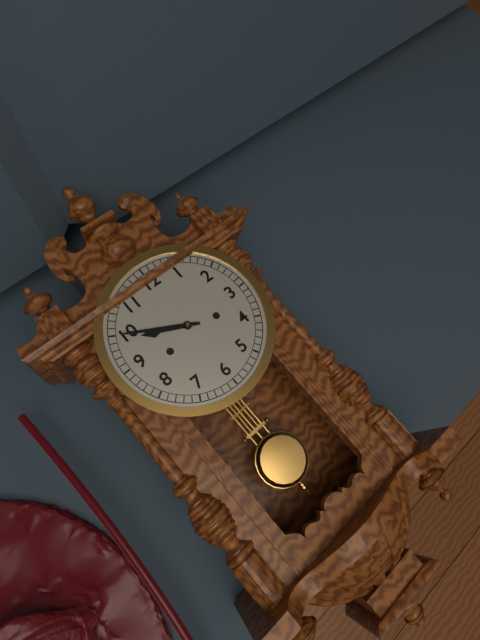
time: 9:50
